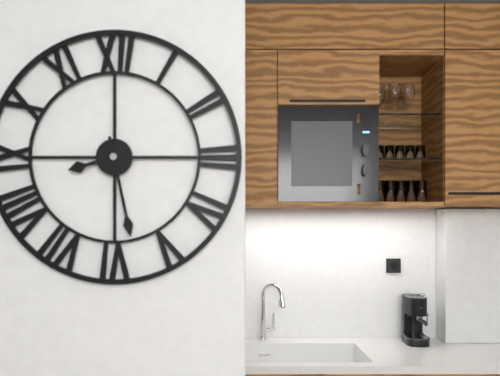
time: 8:28
